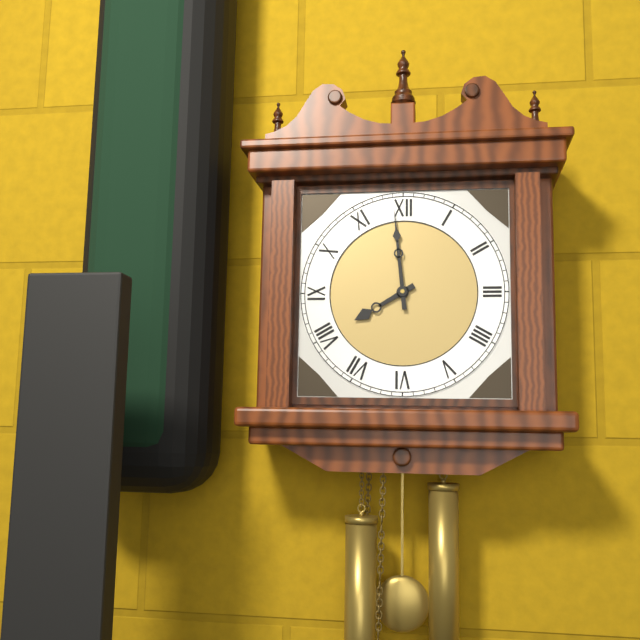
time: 7:59
